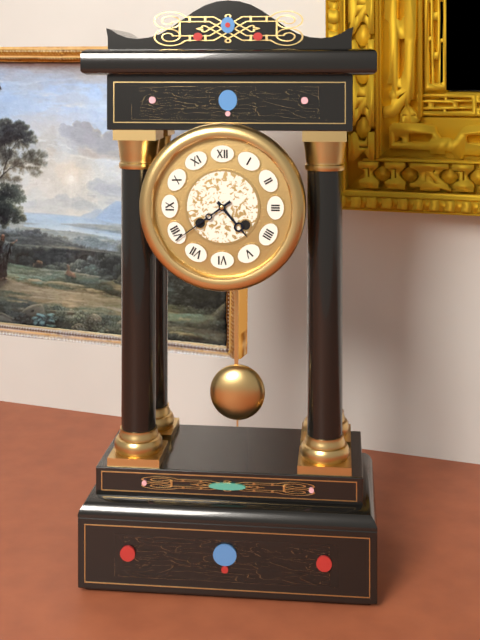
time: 4:39
